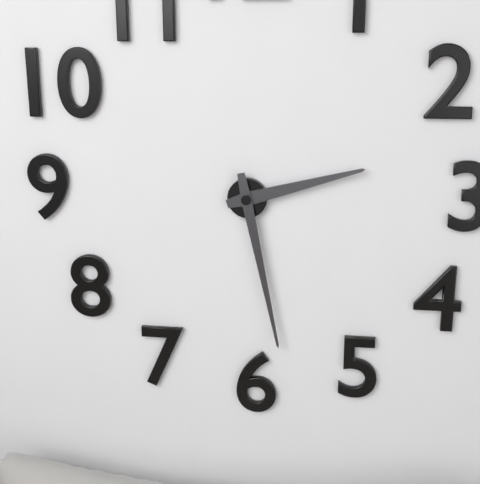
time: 2:28
